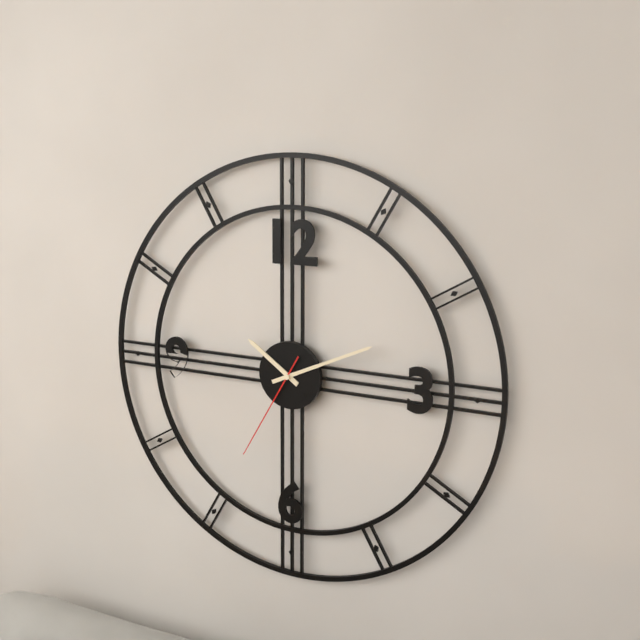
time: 10:11:35
